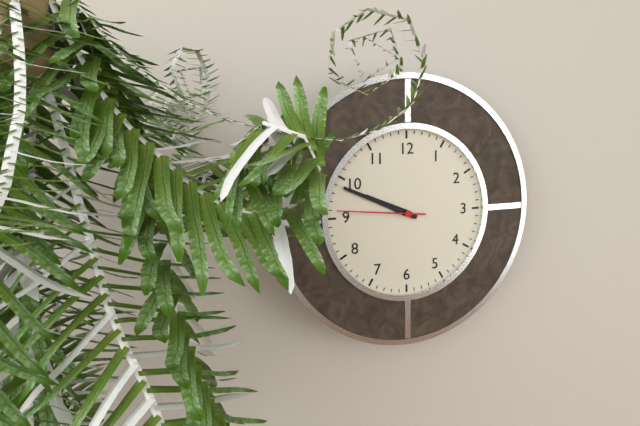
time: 9:49:46
